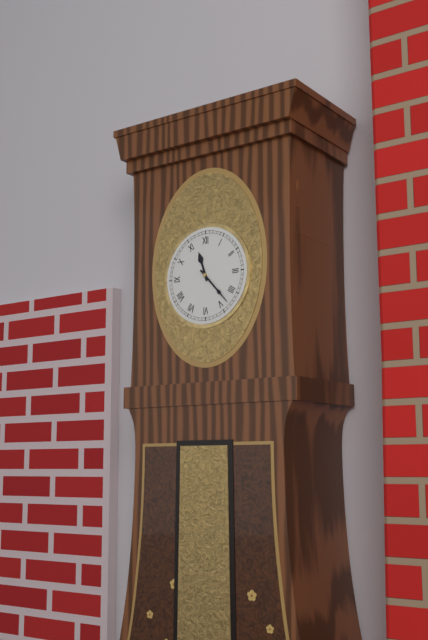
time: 11:23
